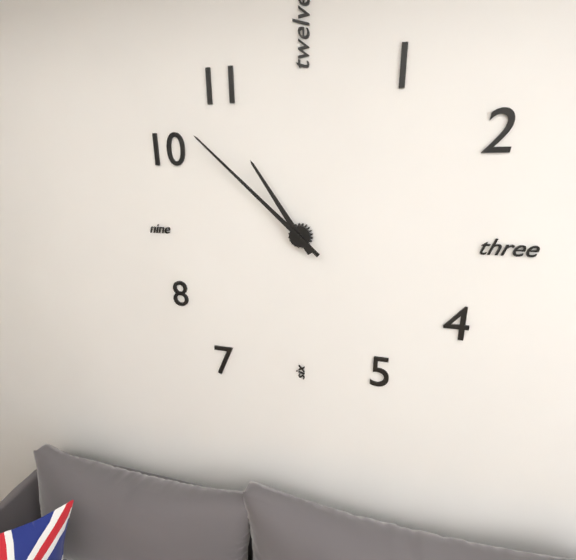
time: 10:52
